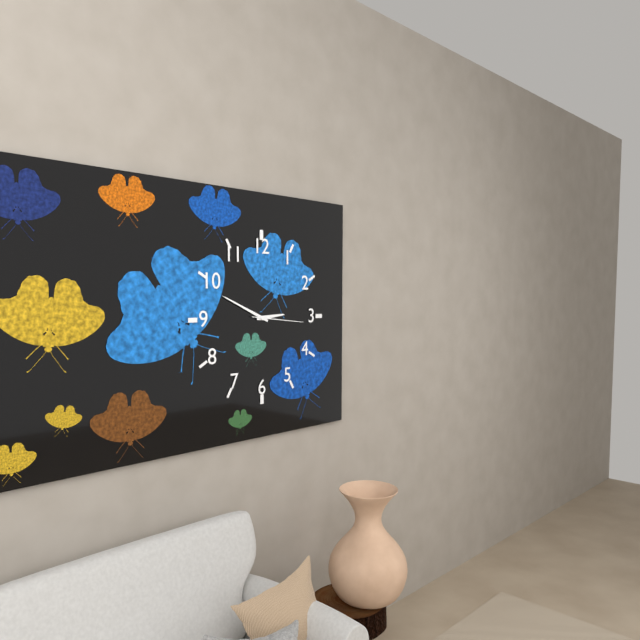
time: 2:49:16
